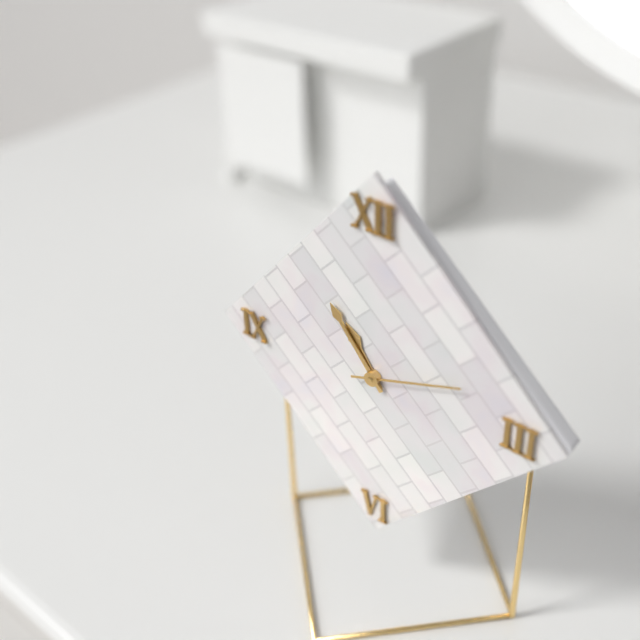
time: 10:54:12
